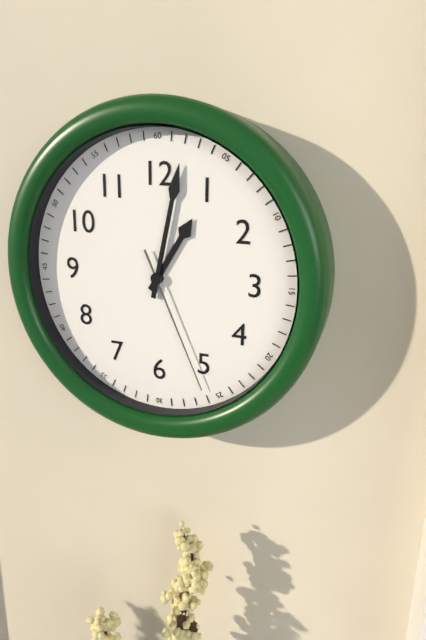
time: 1:02:26
